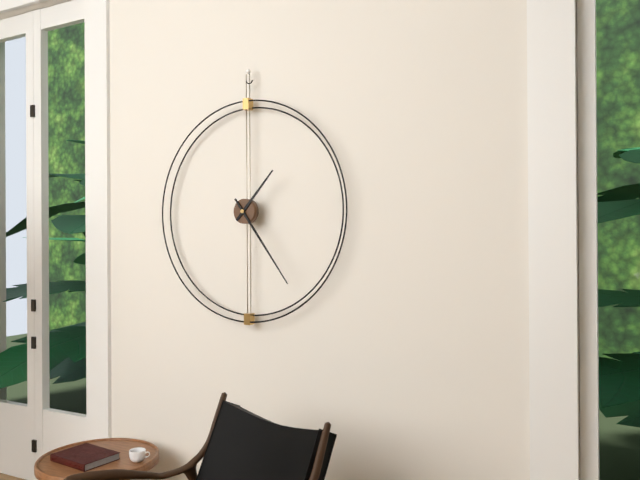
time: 1:24
